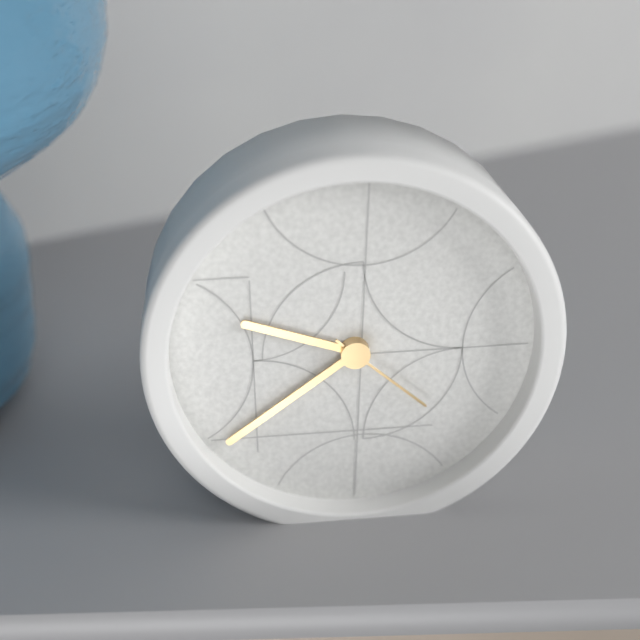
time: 9:39:22
